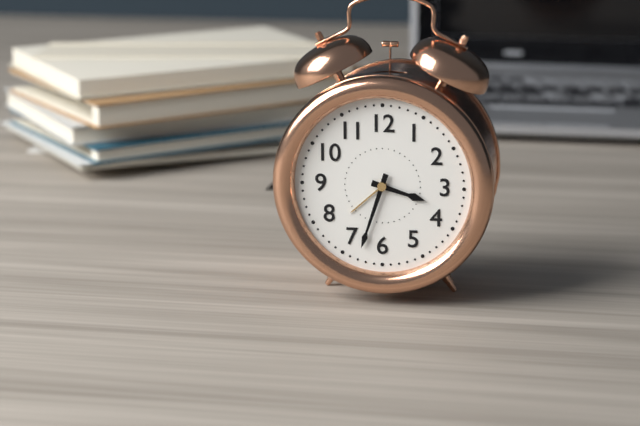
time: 3:33
